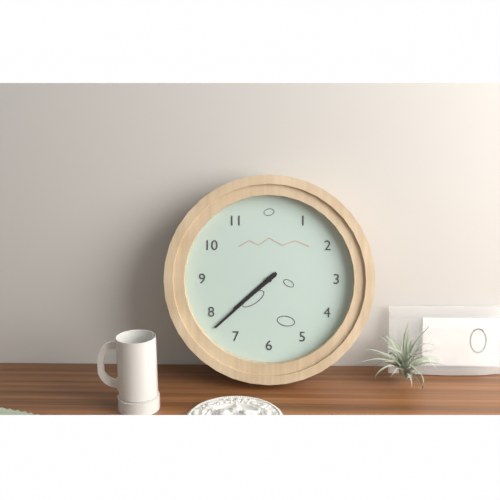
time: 7:38
